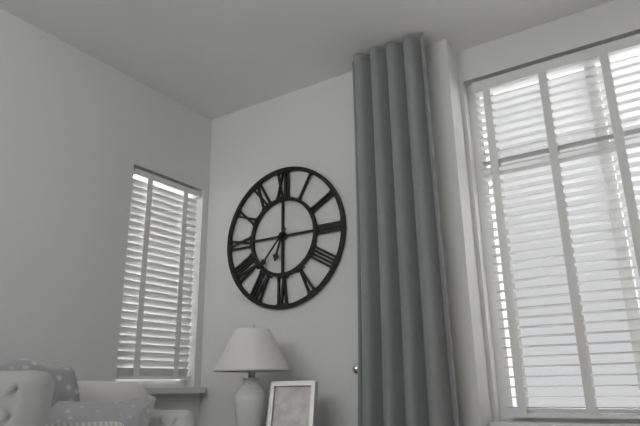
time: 6:37
